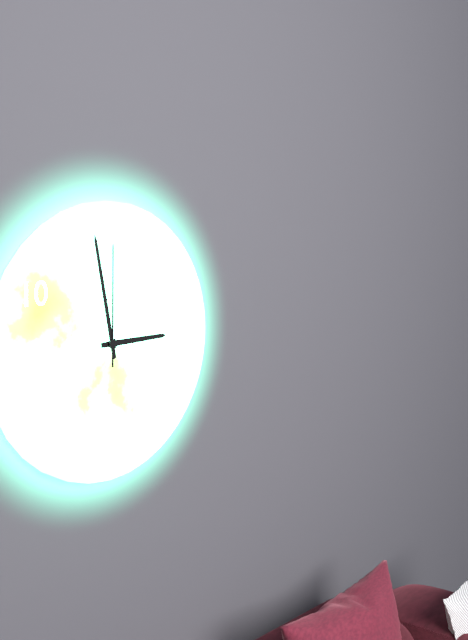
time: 2:58:00
